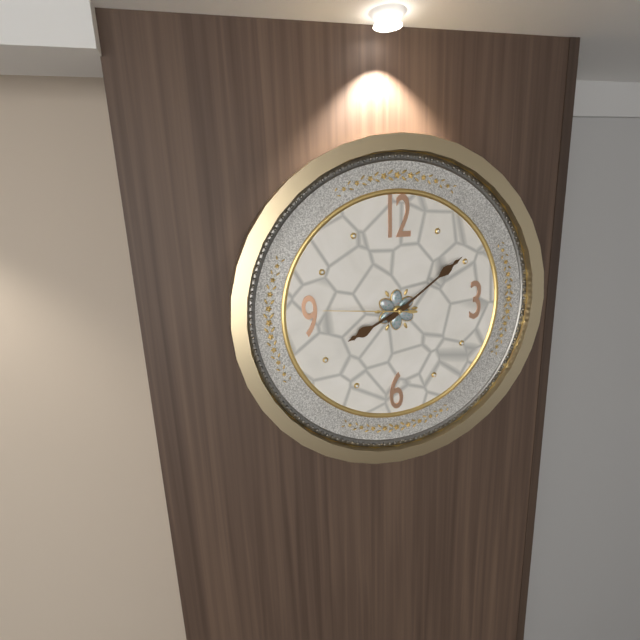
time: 8:09:46
